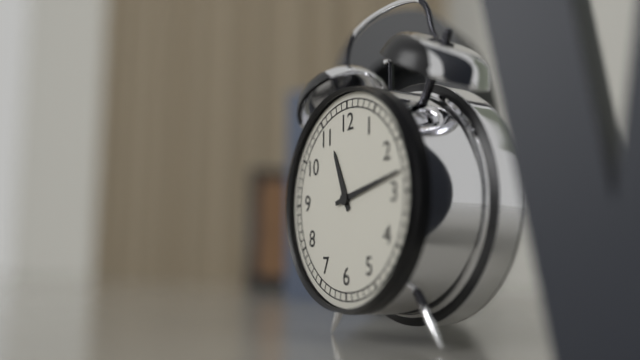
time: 11:13
